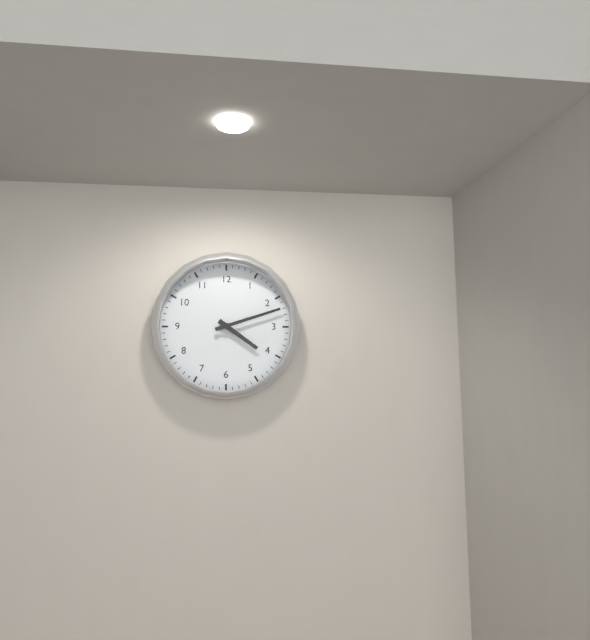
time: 4:12
